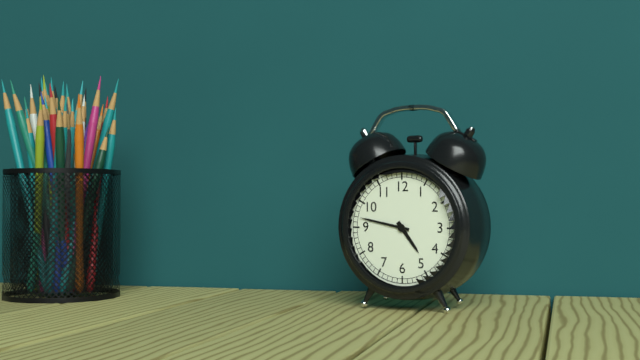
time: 4:47
